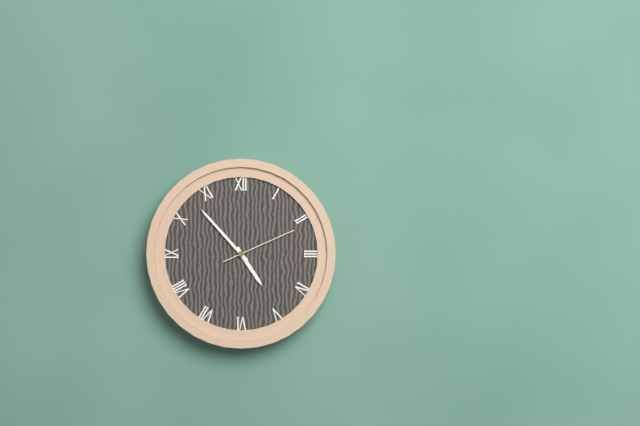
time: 4:53:11
